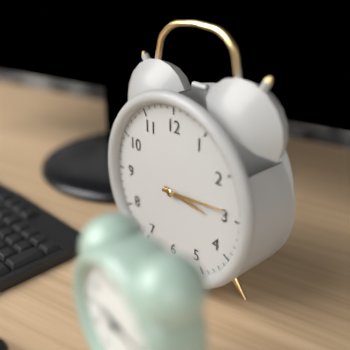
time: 3:14
